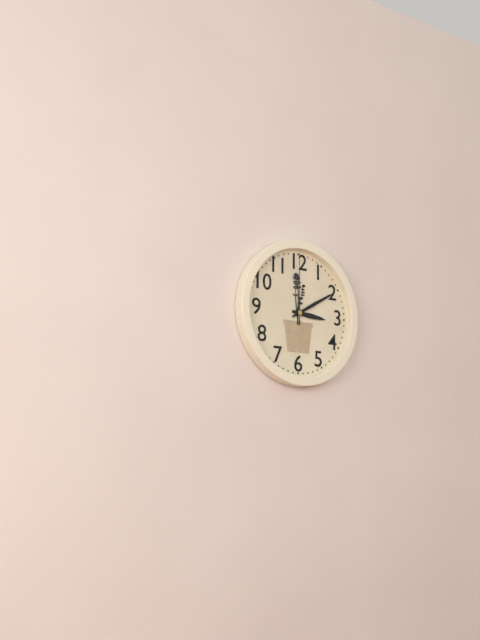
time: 3:10:00
